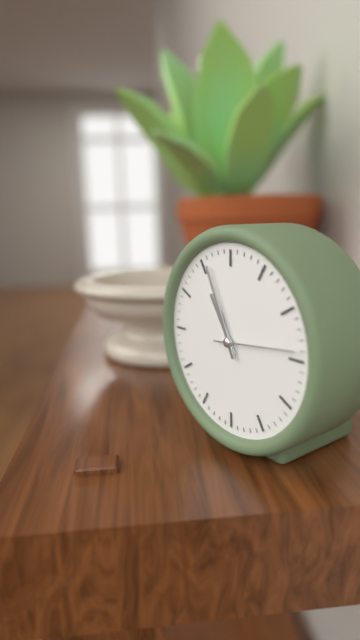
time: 10:56:14
